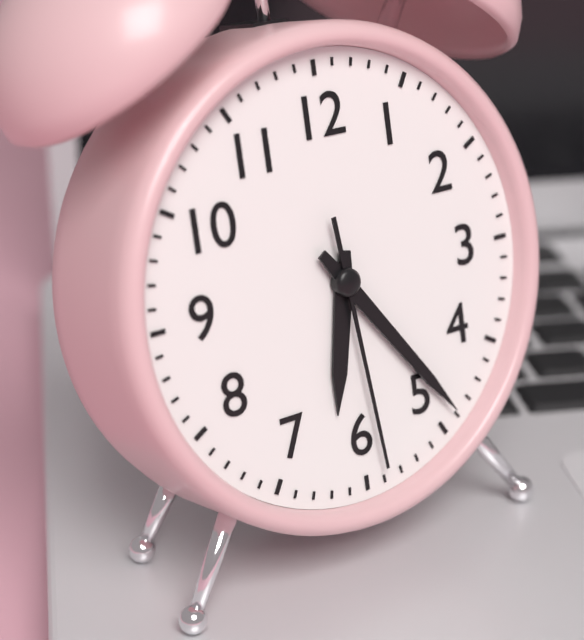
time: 6:24:29
